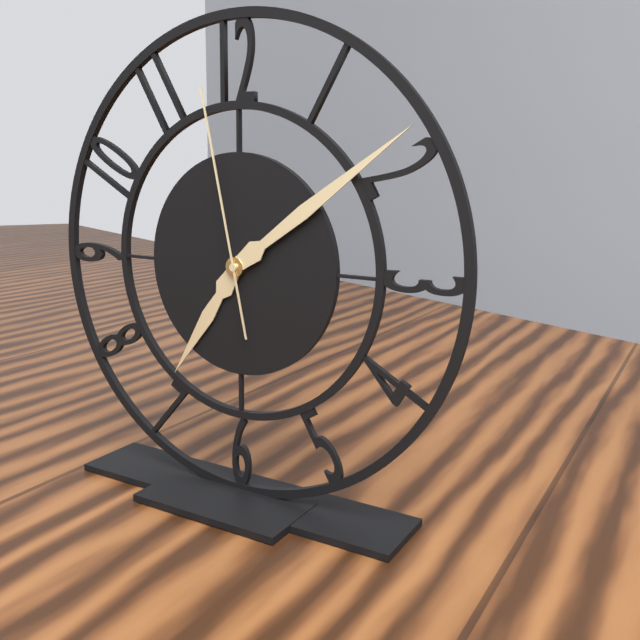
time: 7:09:58
